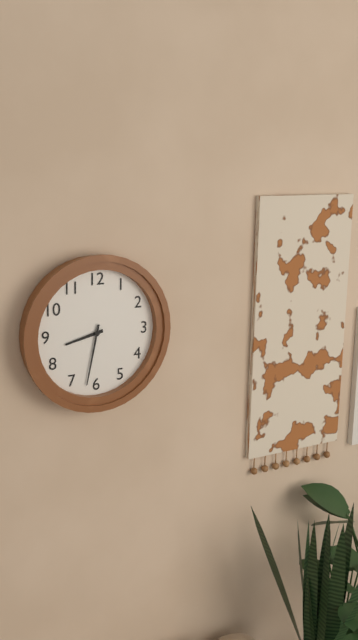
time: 8:32
